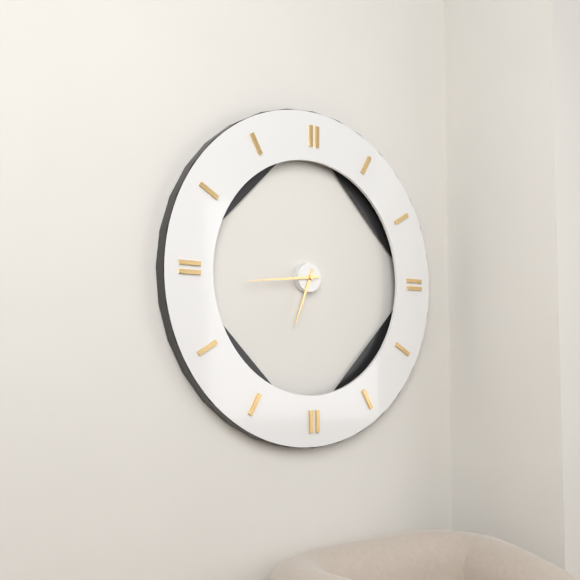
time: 6:44
